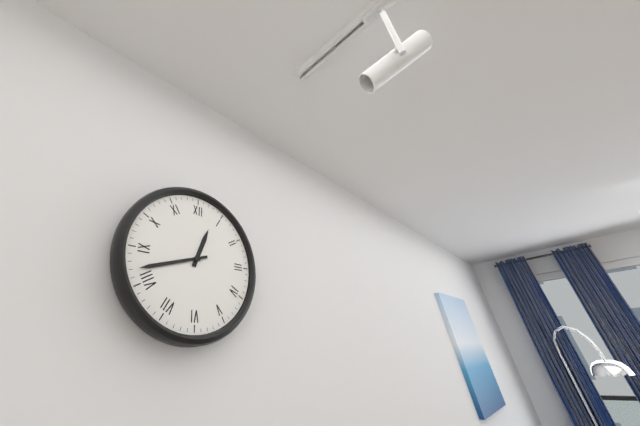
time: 12:42
